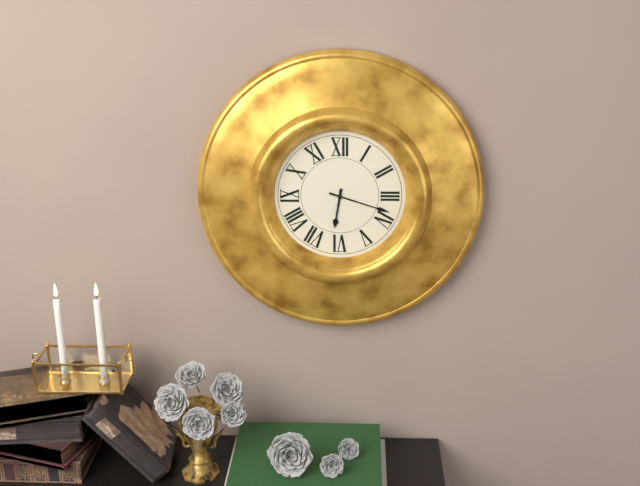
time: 6:18
